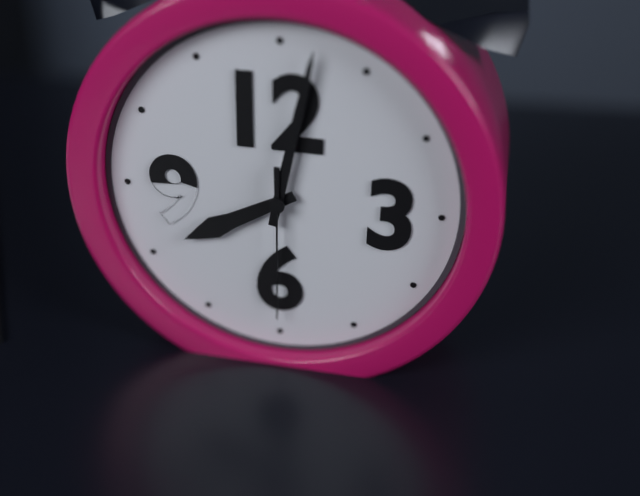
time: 8:02:30
